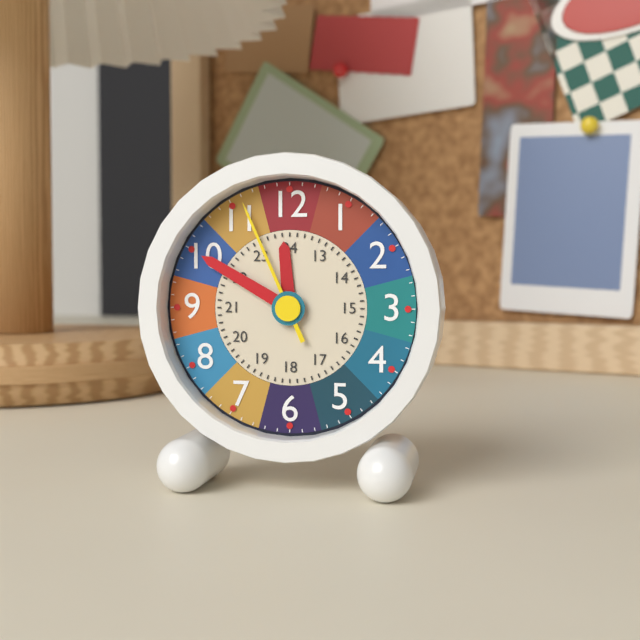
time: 11:50:56
